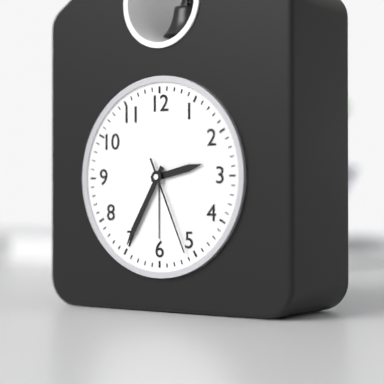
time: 2:35:26
